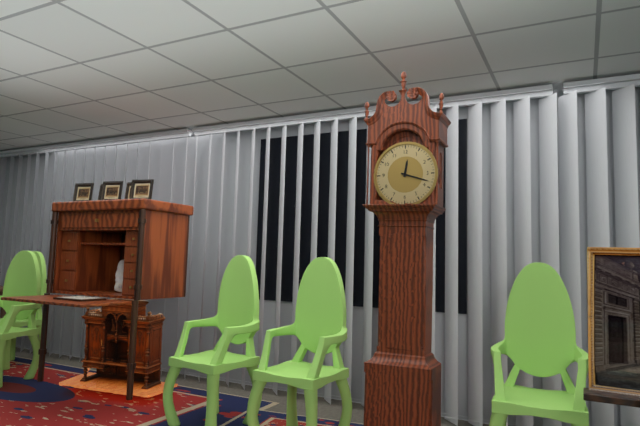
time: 12:18
